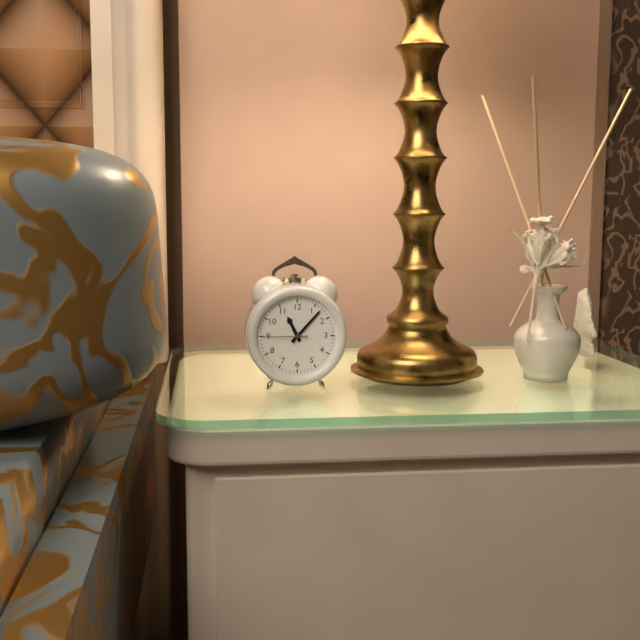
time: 11:07
